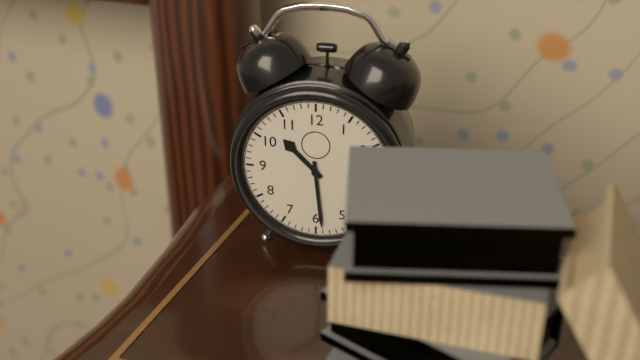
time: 10:29
